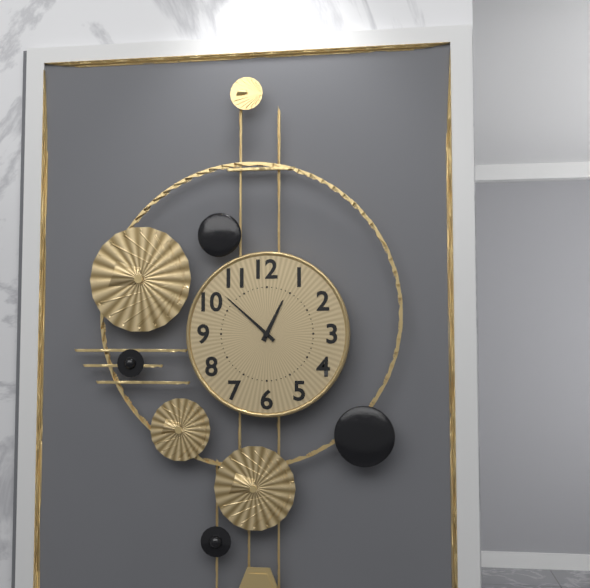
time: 12:52
